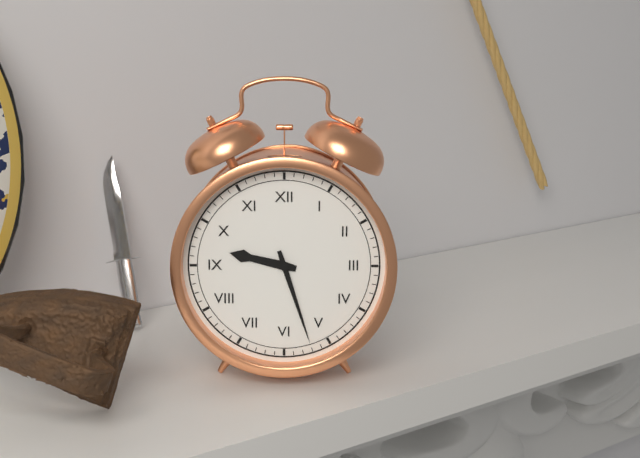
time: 9:27
